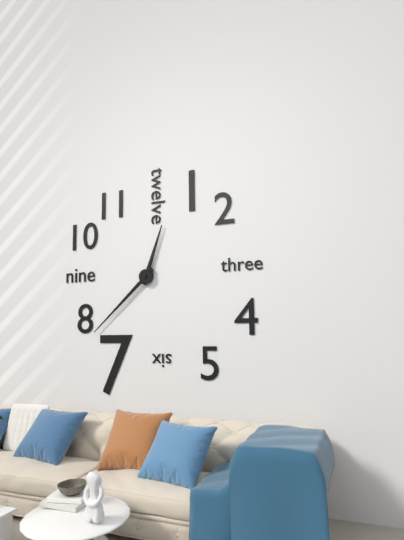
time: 12:38
